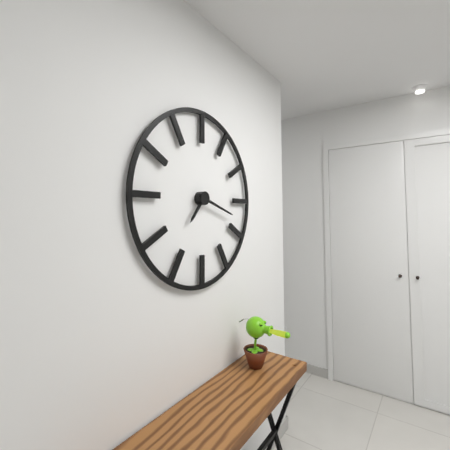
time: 7:18
